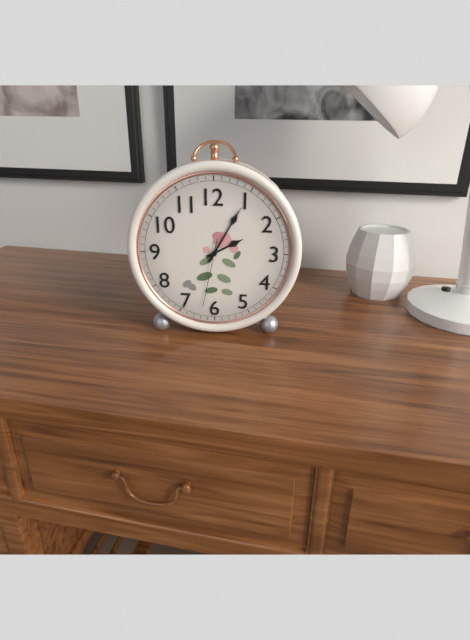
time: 2:05:32
